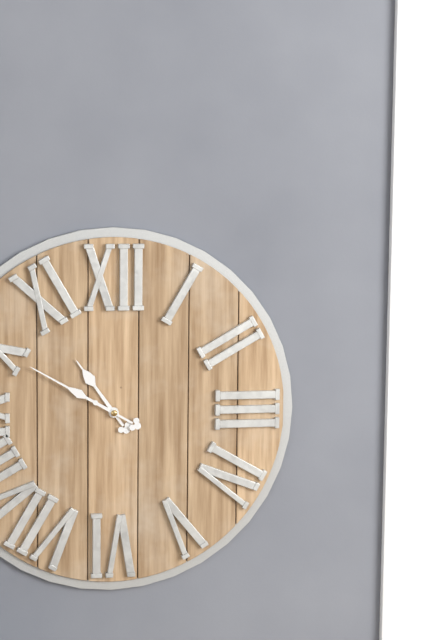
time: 10:50
